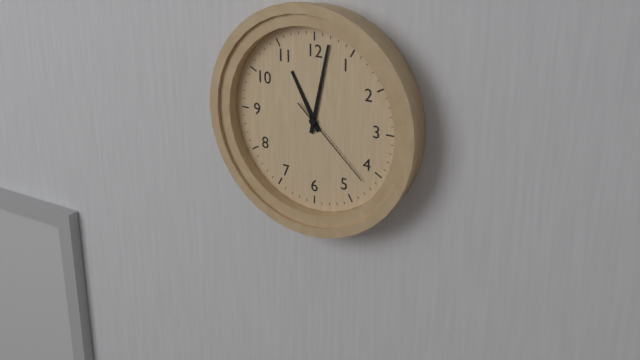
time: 11:02:22
